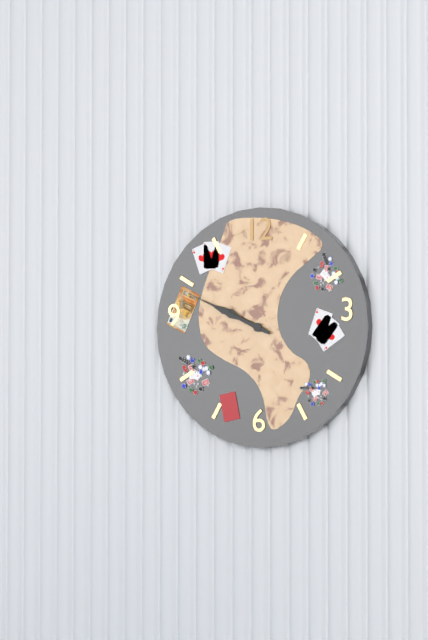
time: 9:49
